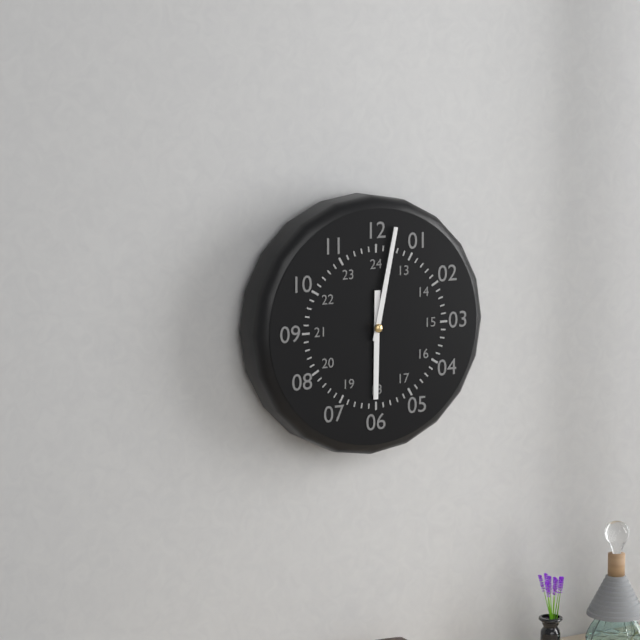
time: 6:02
